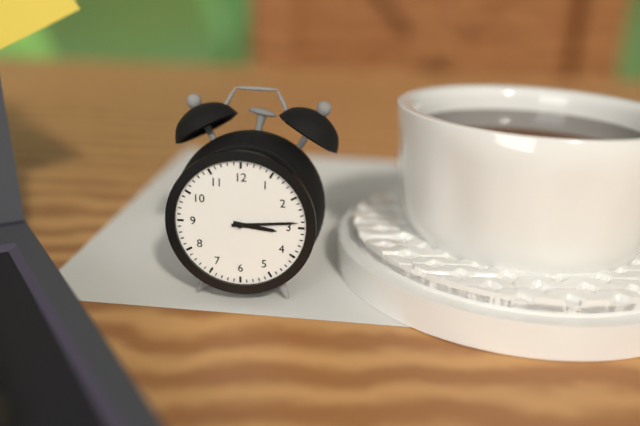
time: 3:14
